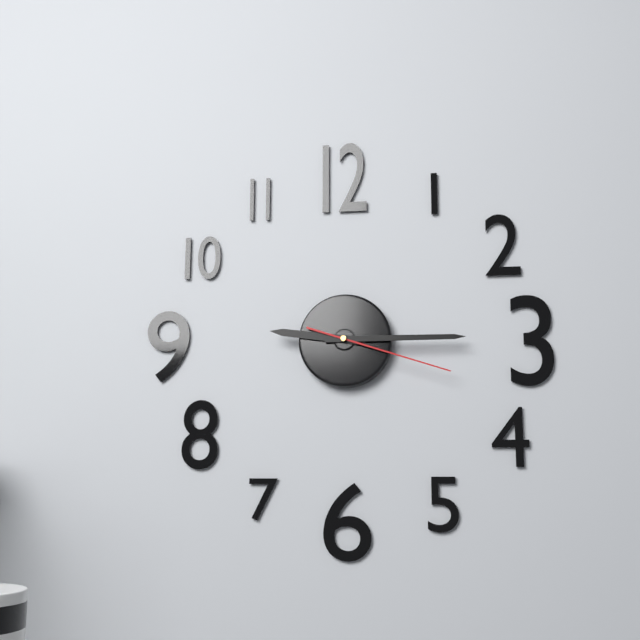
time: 9:15:18
